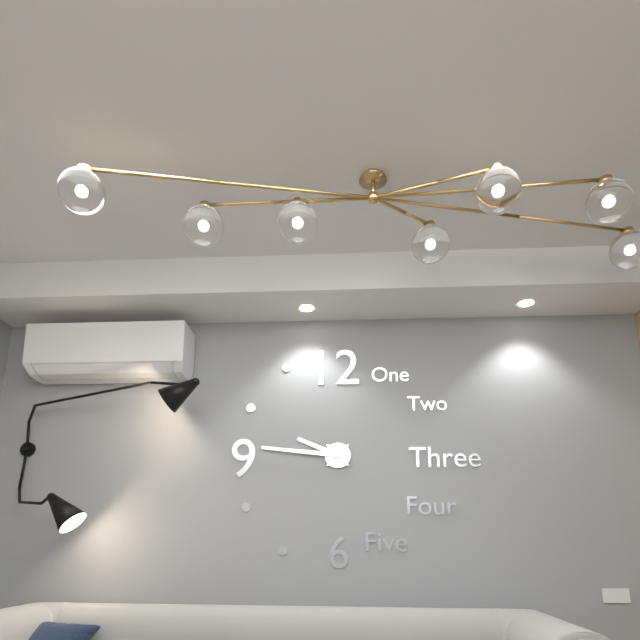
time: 9:46
